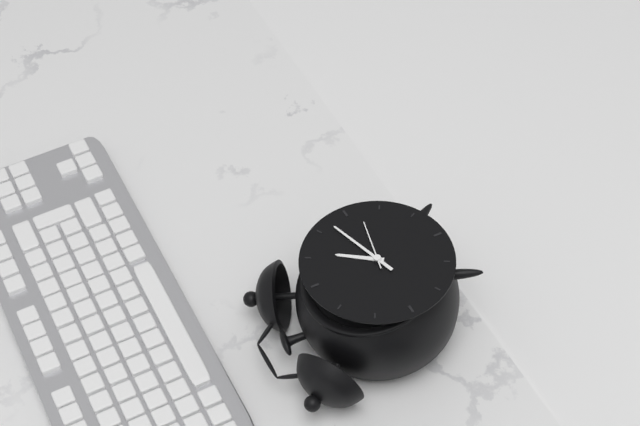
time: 1:12
